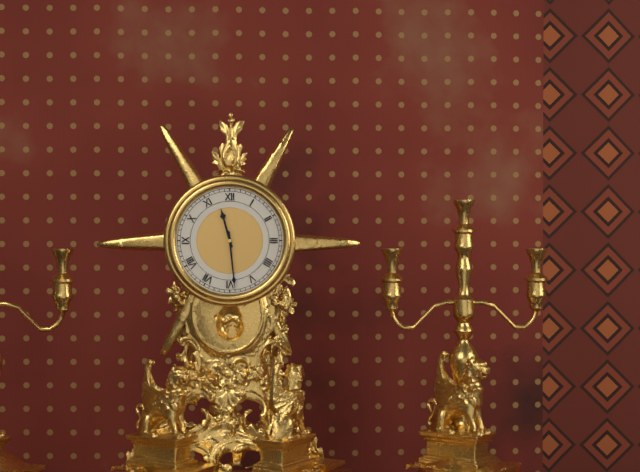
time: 11:29
